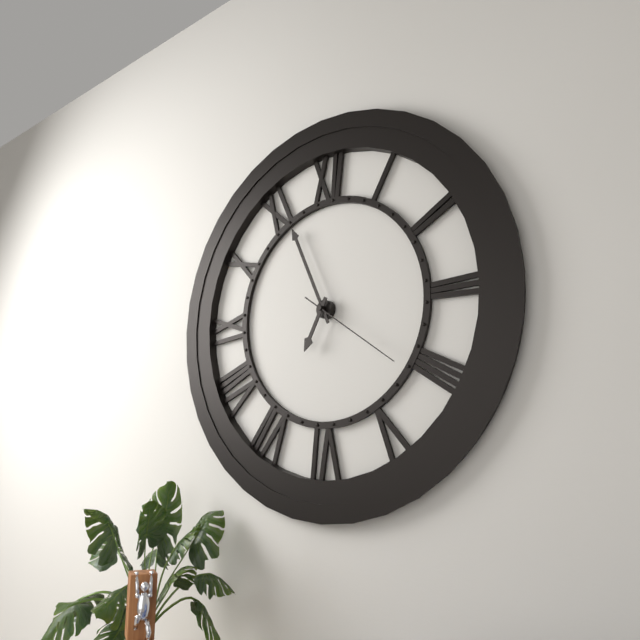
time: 6:56:21
